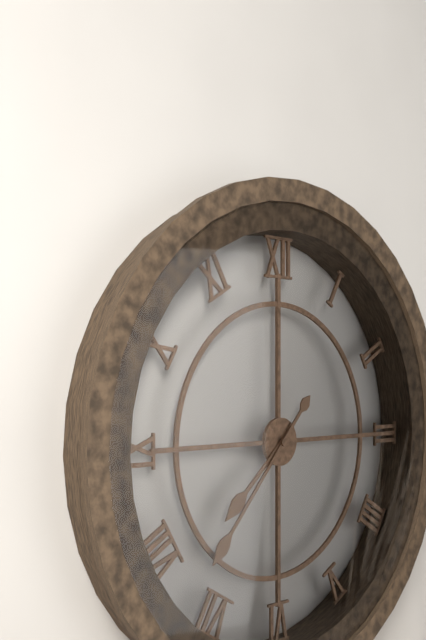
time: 7:37
